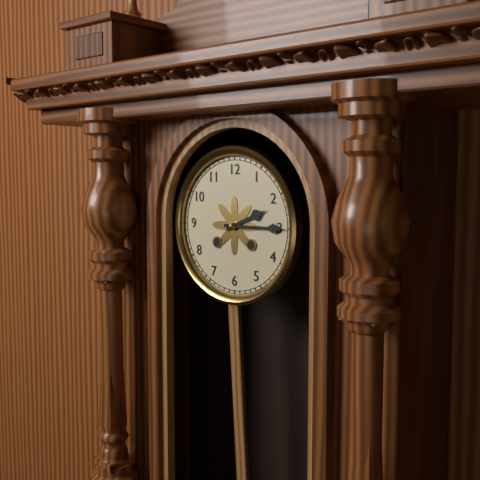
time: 2:15
